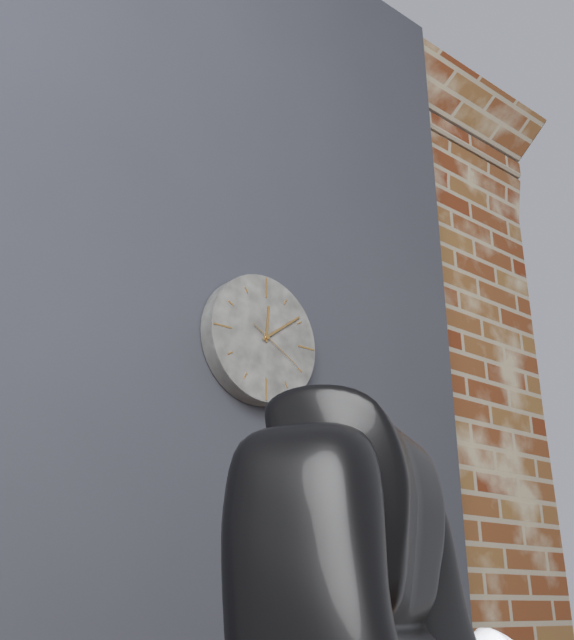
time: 12:09:20
